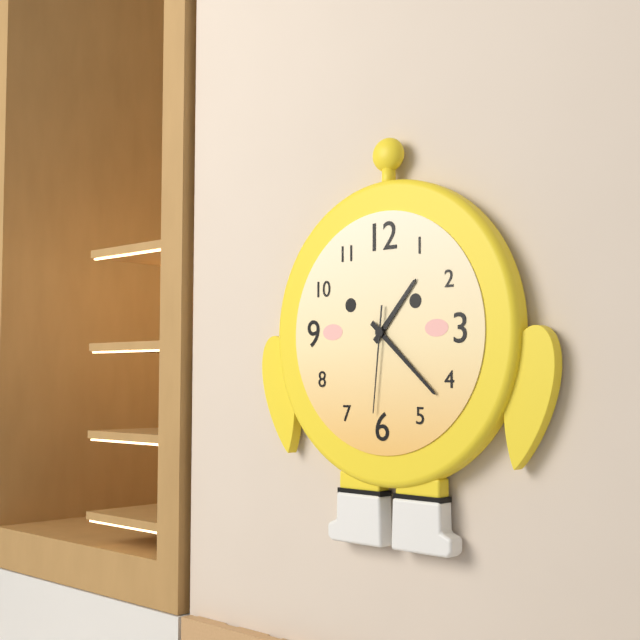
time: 1:22:31
